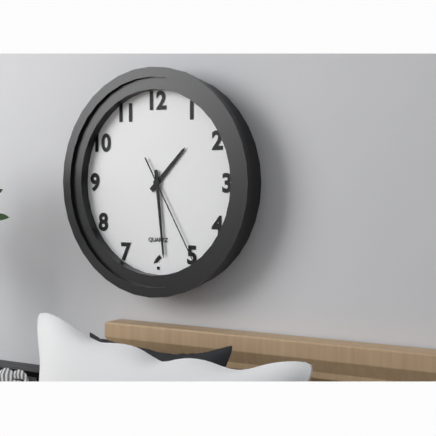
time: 1:29:25
